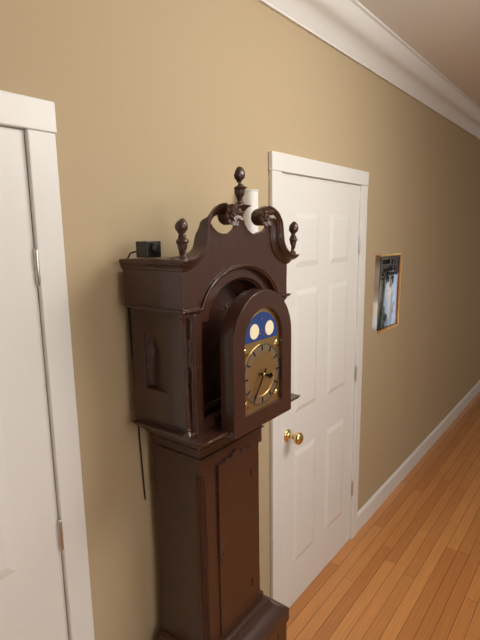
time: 3:36
